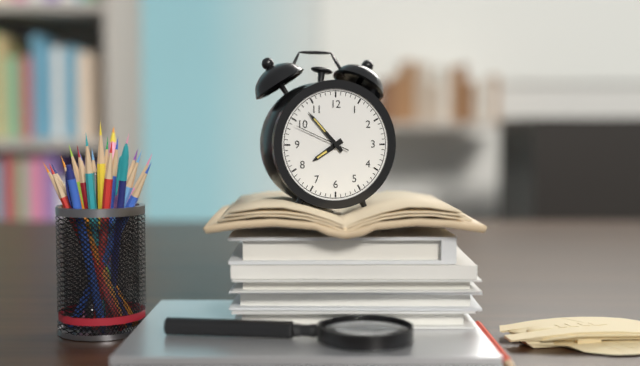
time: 7:53:49
